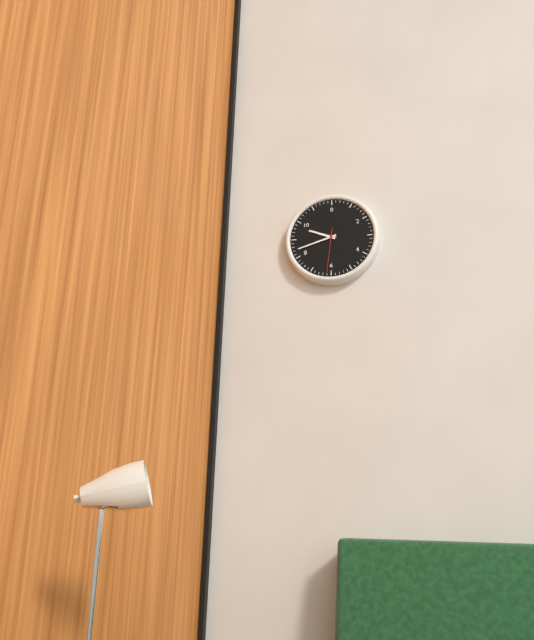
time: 9:42
